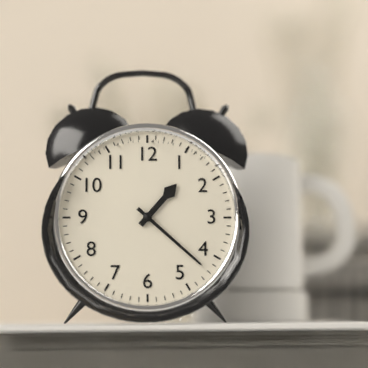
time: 1:22
